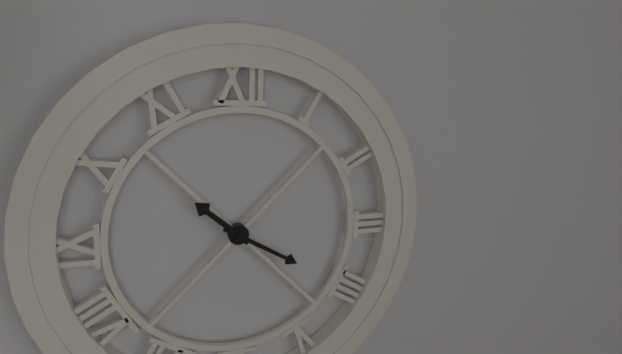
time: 10:20
